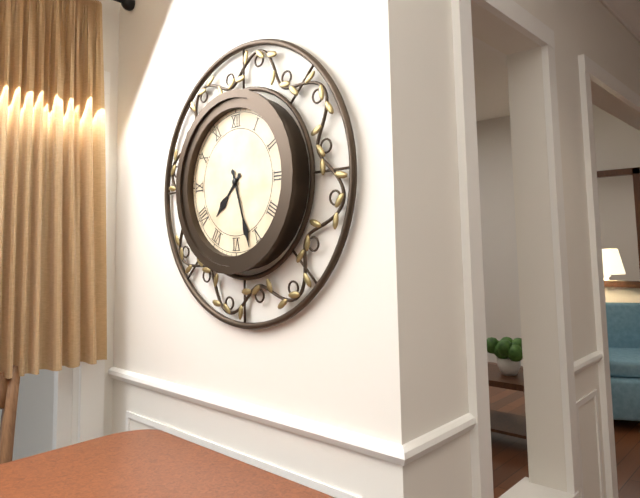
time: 7:27
